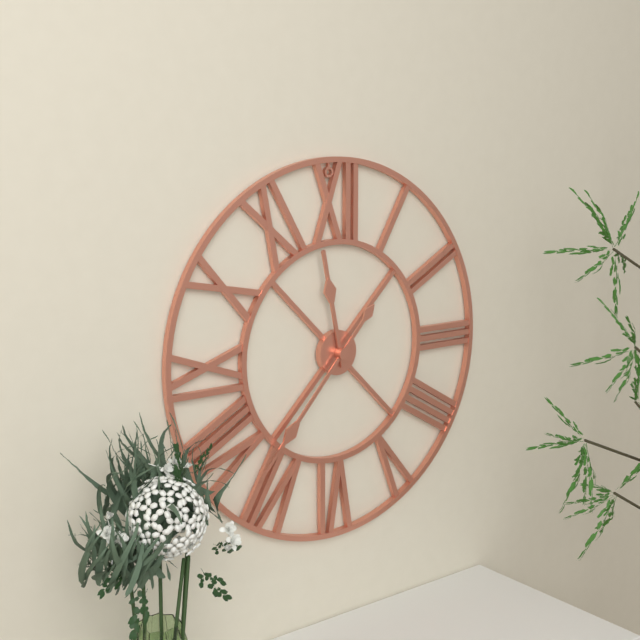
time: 11:37
